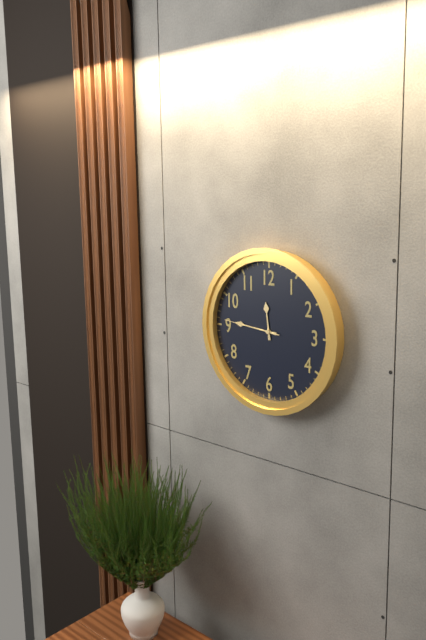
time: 11:46:46
